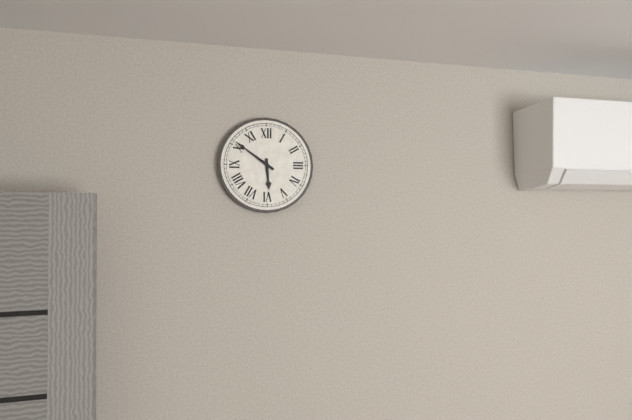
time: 5:51
